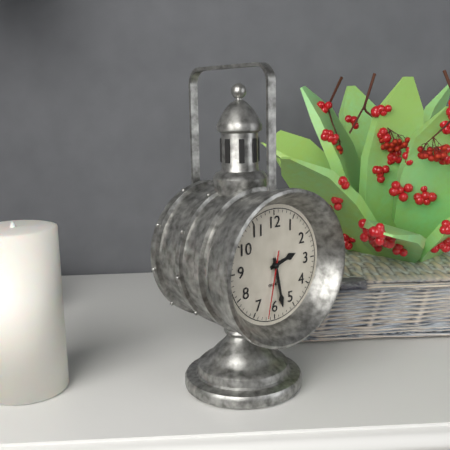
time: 2:28:32
